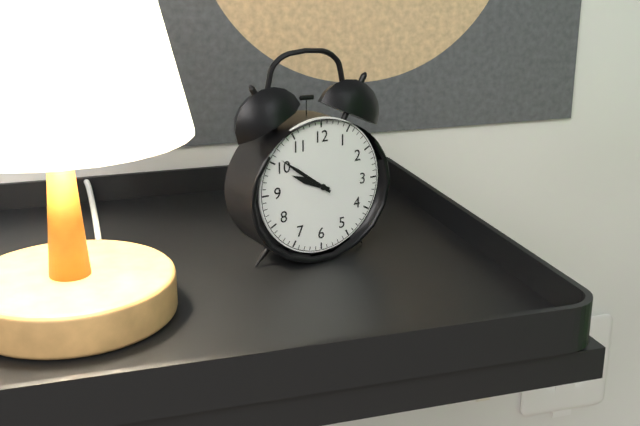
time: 9:51
